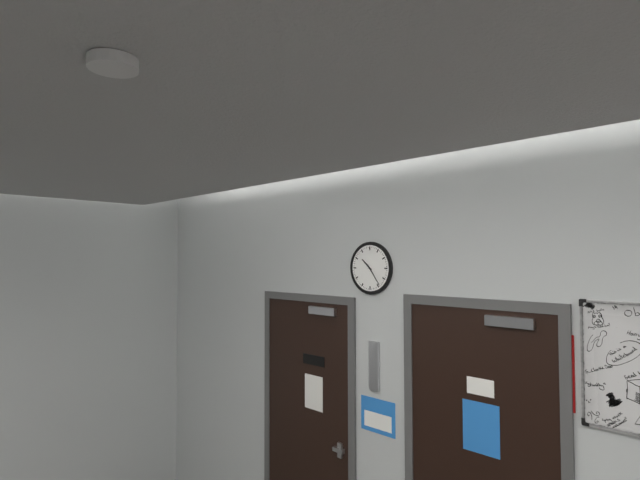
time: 10:24
